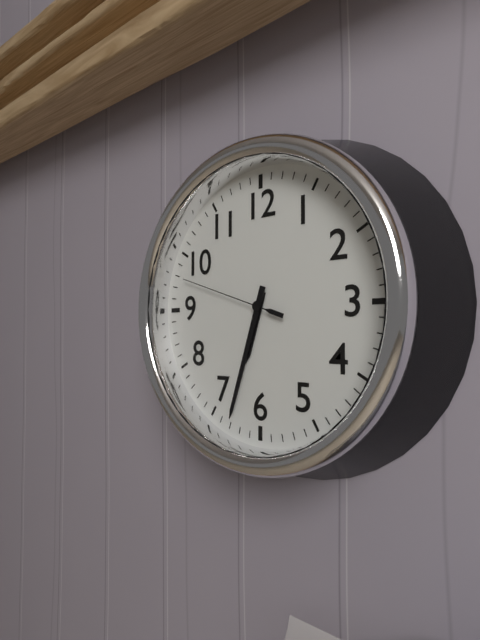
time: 6:33:48
